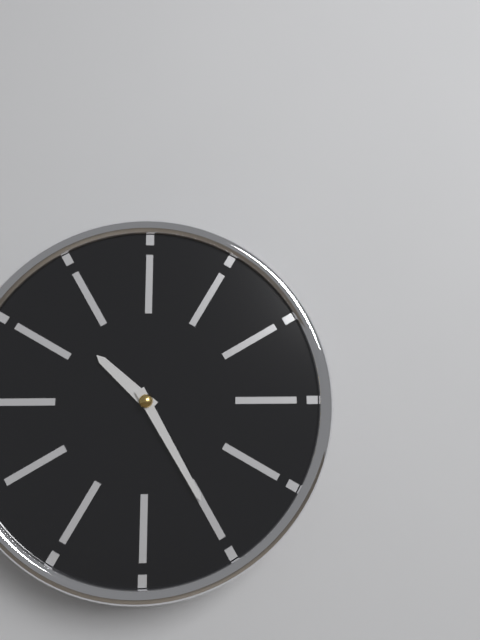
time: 10:25
